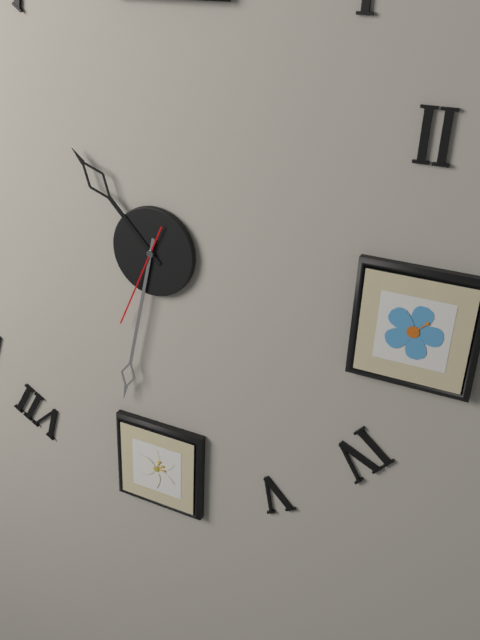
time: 10:32:34
